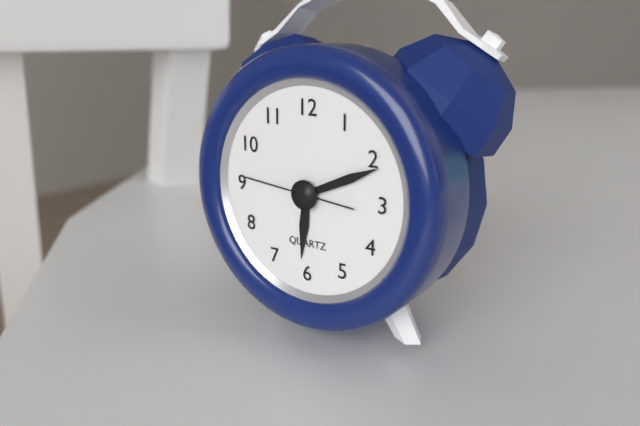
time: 6:11:46
